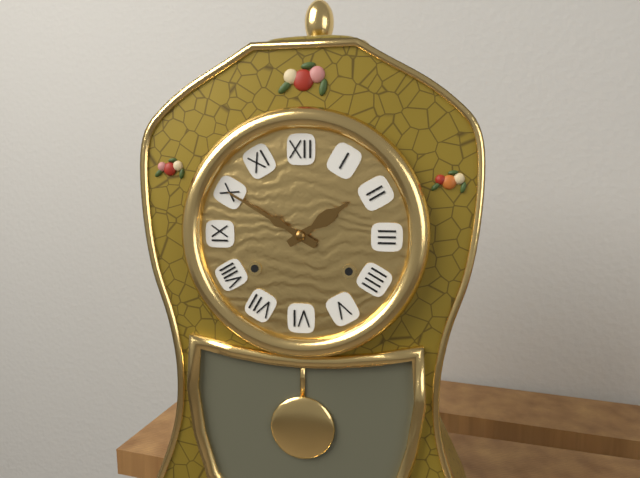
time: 1:50
